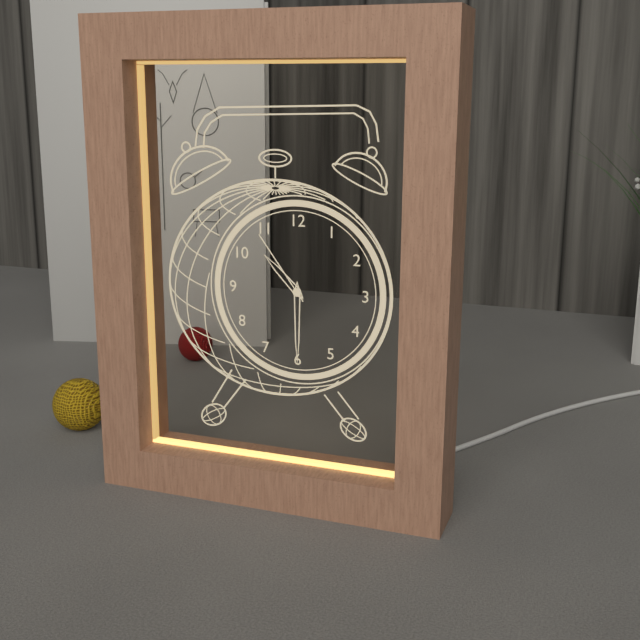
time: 10:30:54
